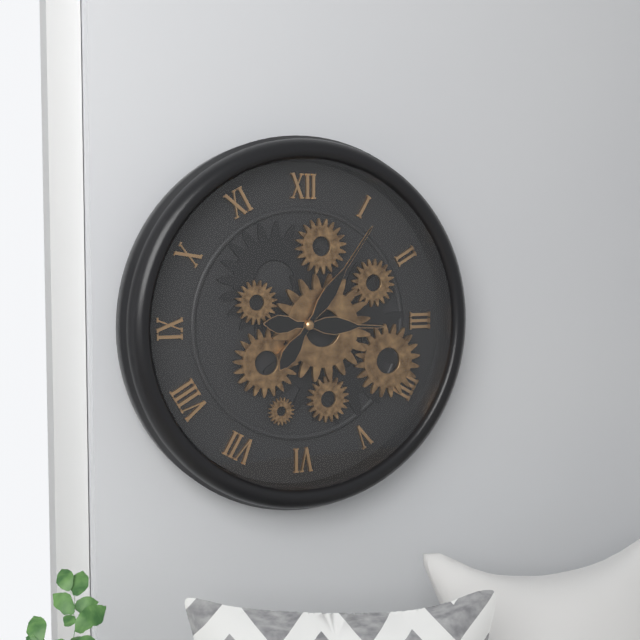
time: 3:06
